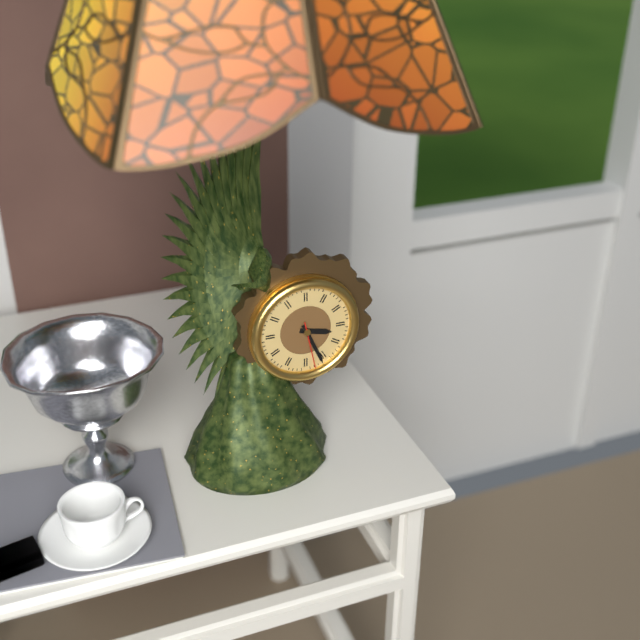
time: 3:26
